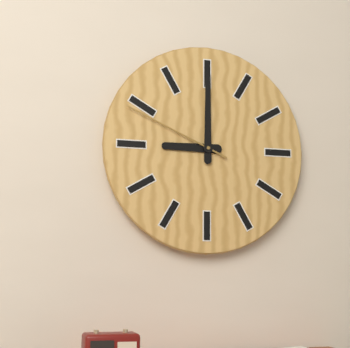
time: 9:00:49
